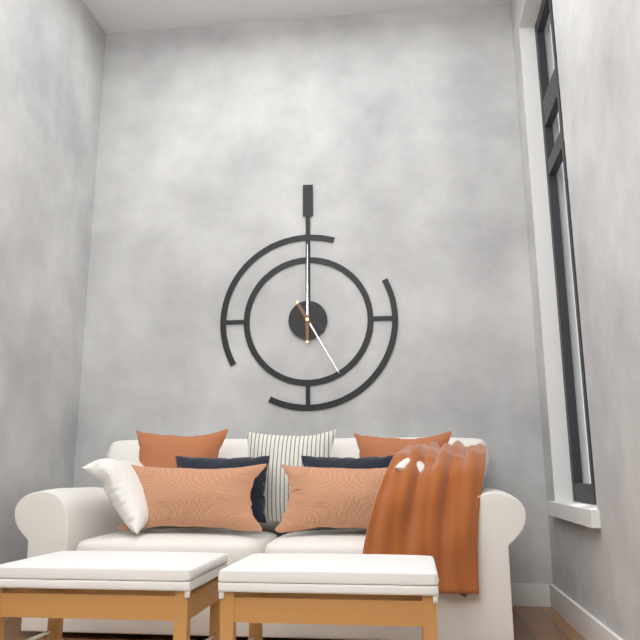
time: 5:00
